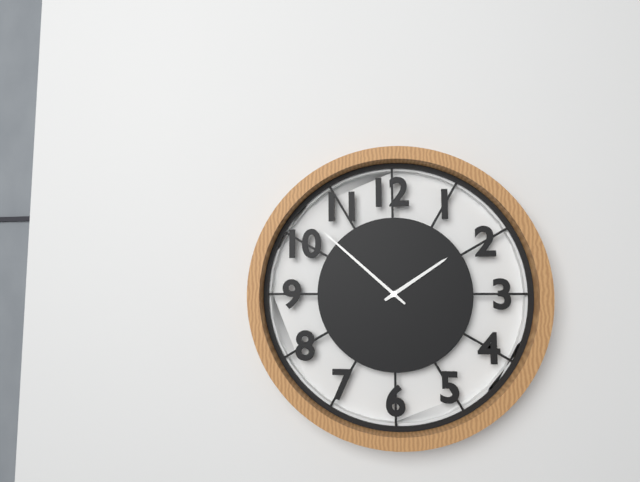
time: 1:52
